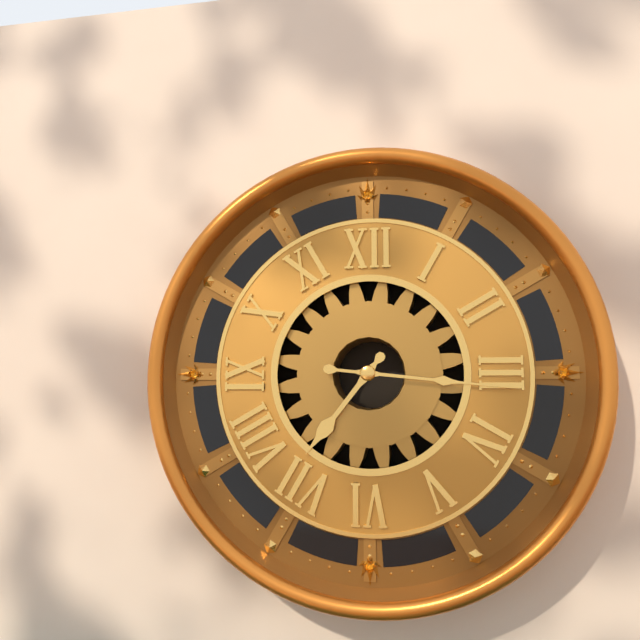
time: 7:16
